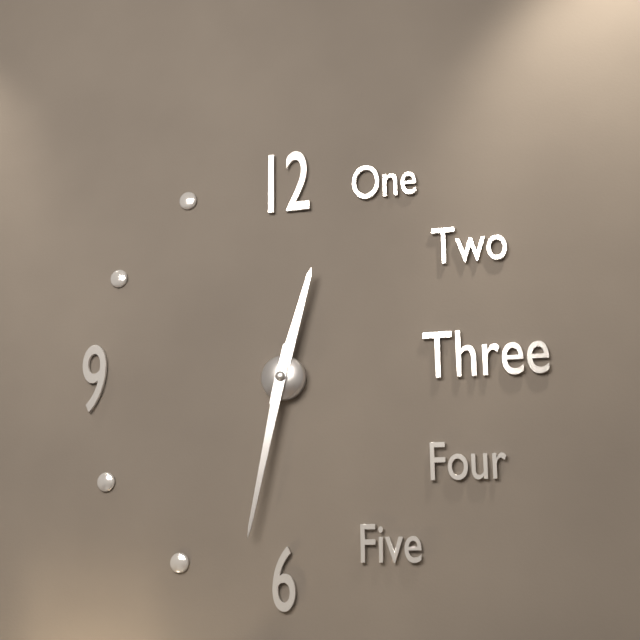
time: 12:32
